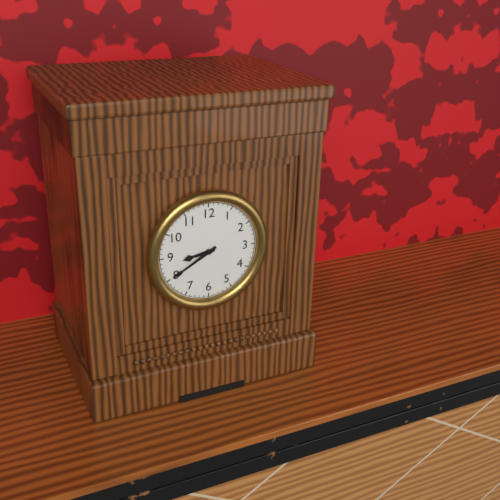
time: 8:40
